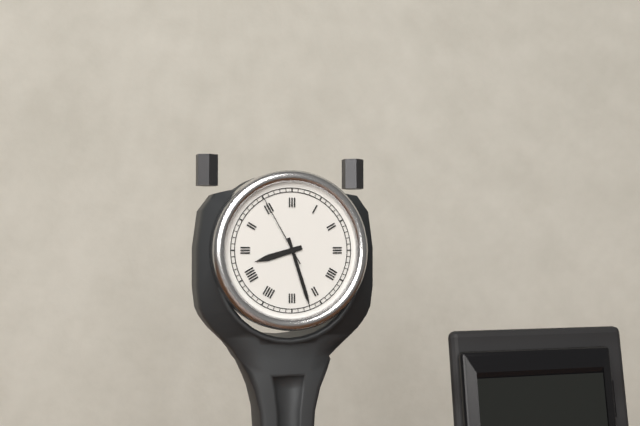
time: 8:27:55
